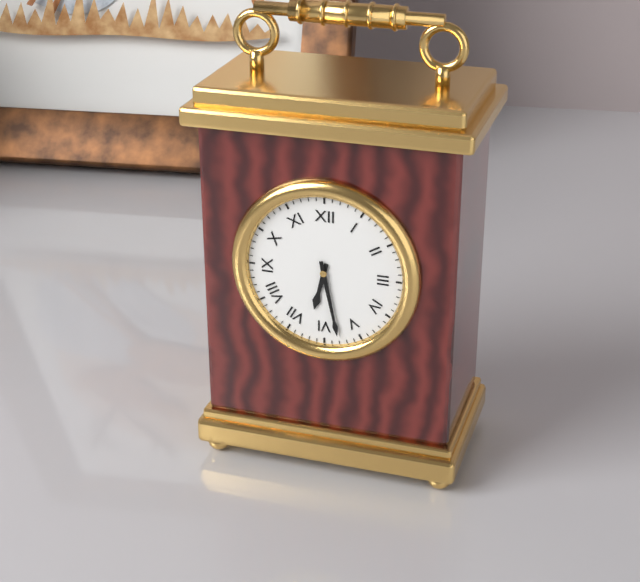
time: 6:28
